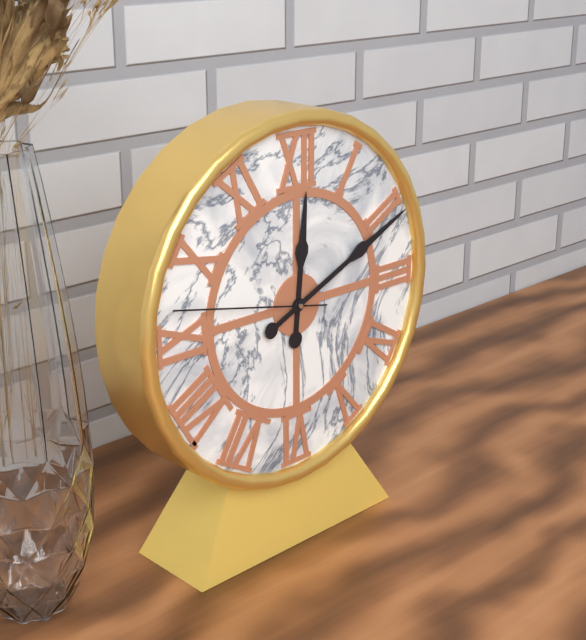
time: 12:11:47
